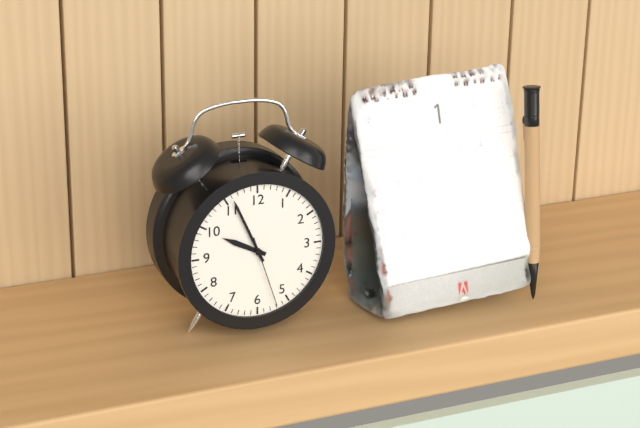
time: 9:56:27
